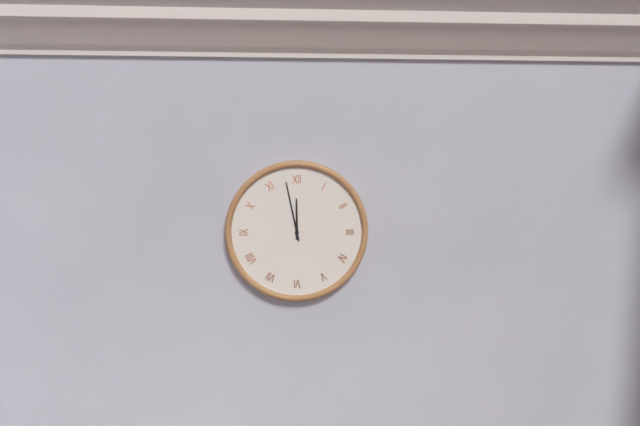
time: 11:58
